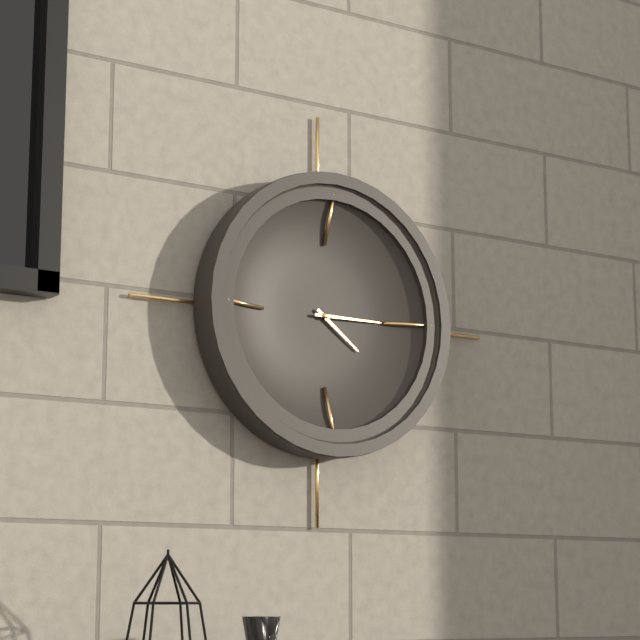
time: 4:15
